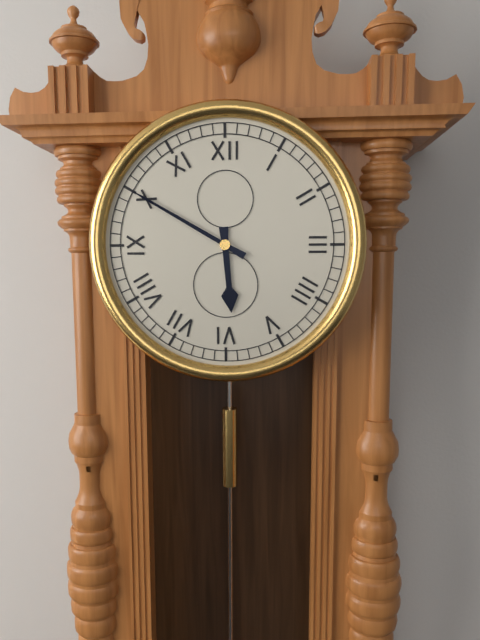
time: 5:50
